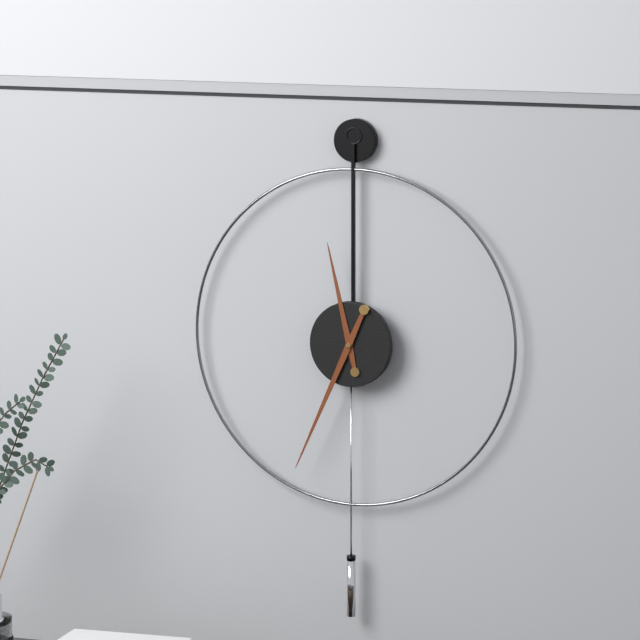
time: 11:34
